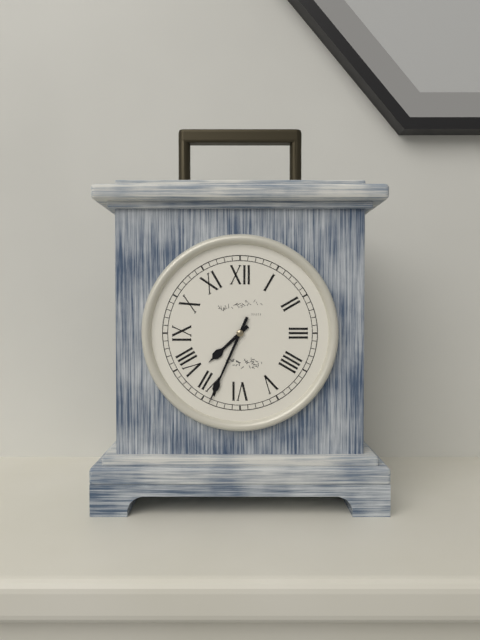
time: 7:34
